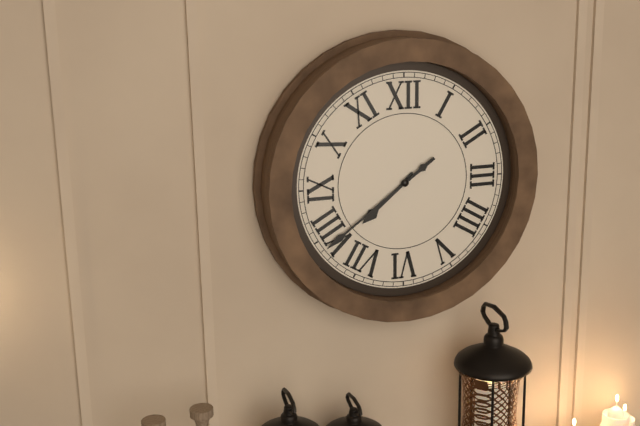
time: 7:39
